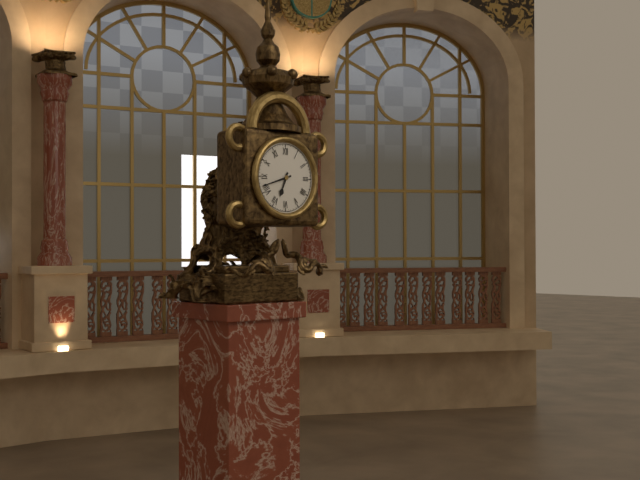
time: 6:42
